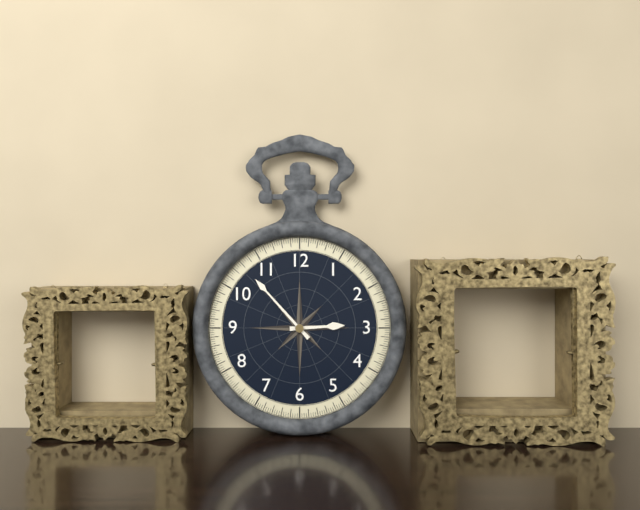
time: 2:53
